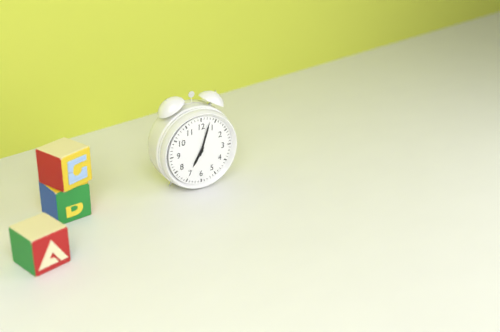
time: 7:03
